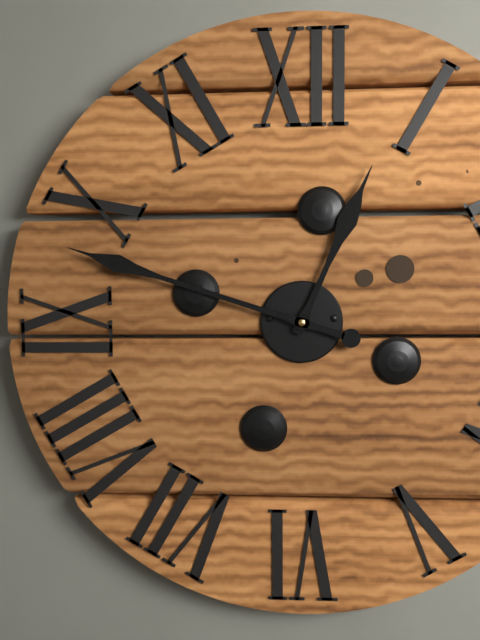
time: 12:48
